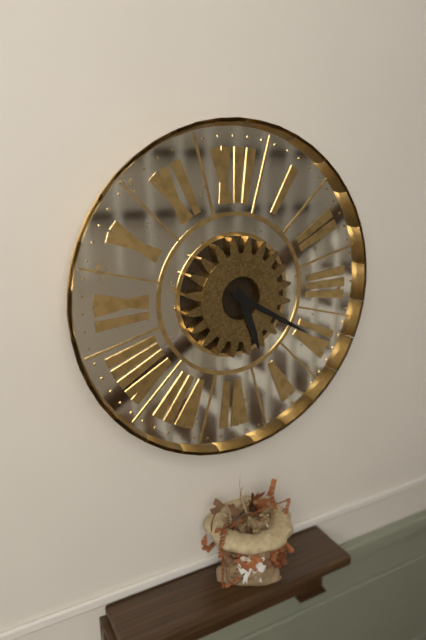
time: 5:20
